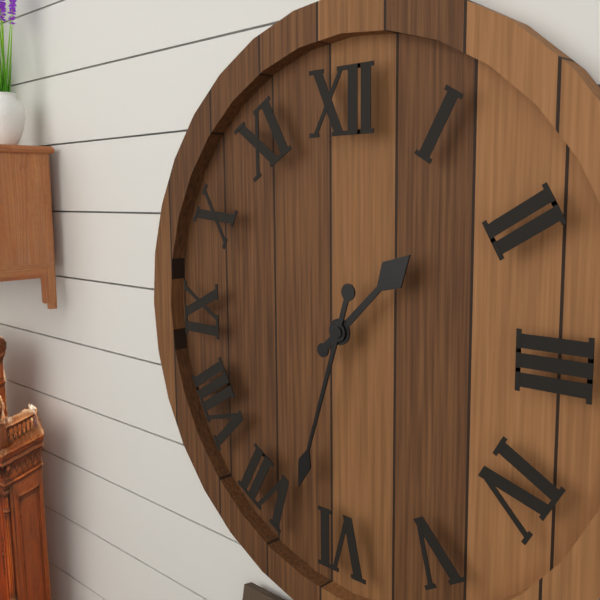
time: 1:33
